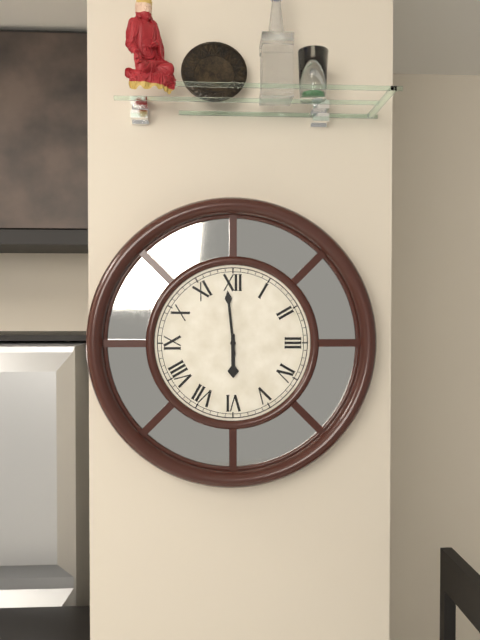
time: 5:59
